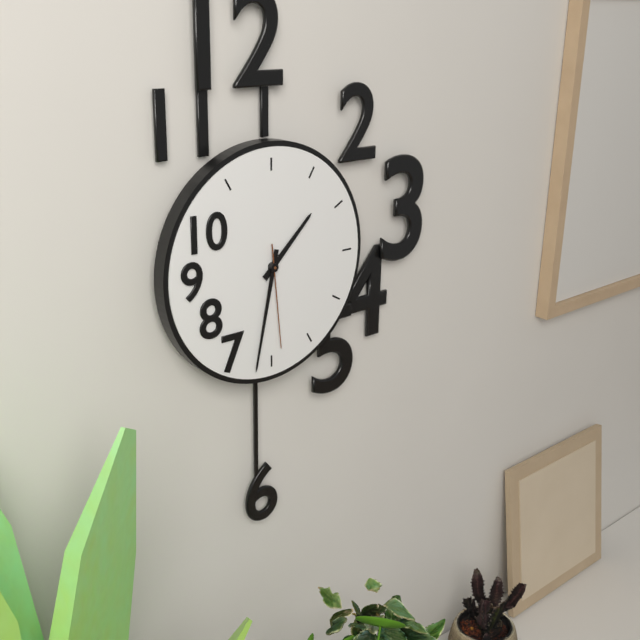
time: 1:32:29
